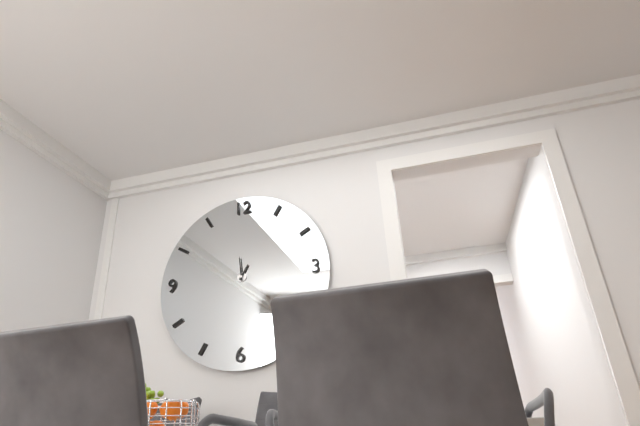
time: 12:59
